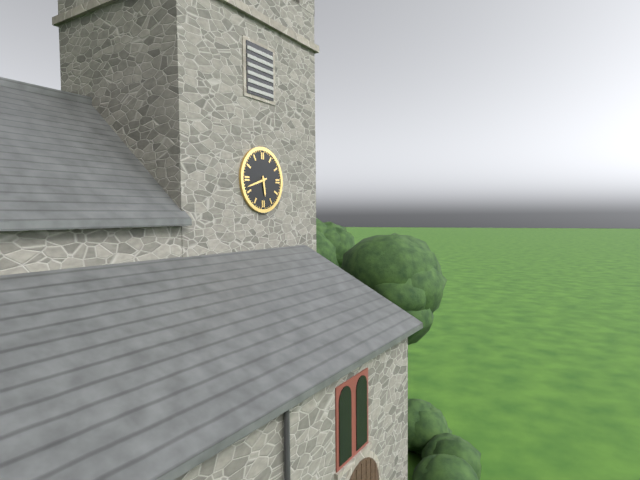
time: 5:42
